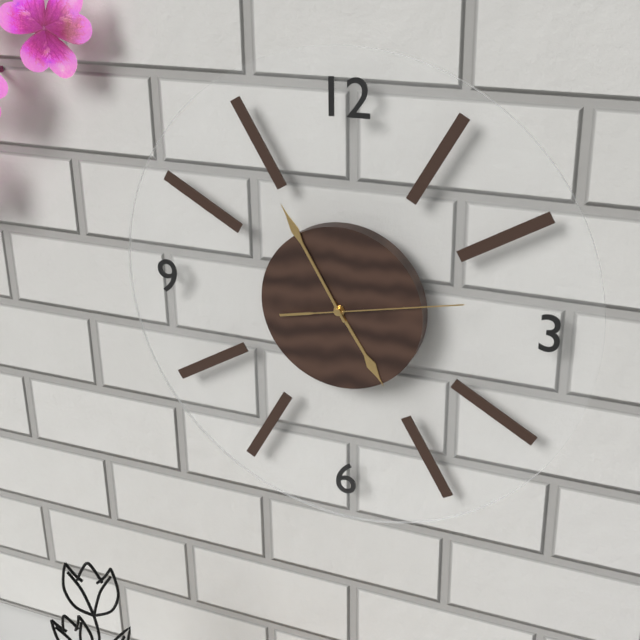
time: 4:55:13
